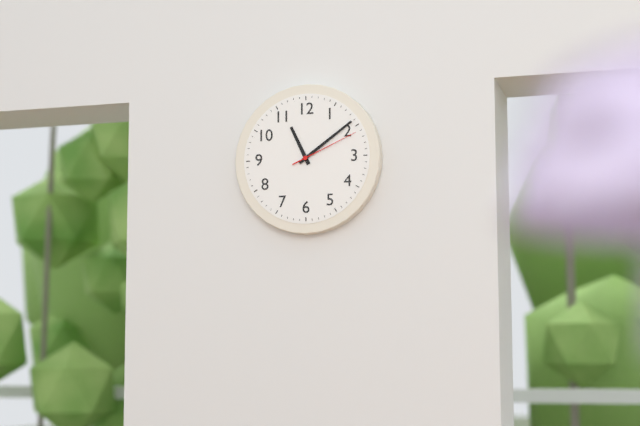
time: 11:09:11
